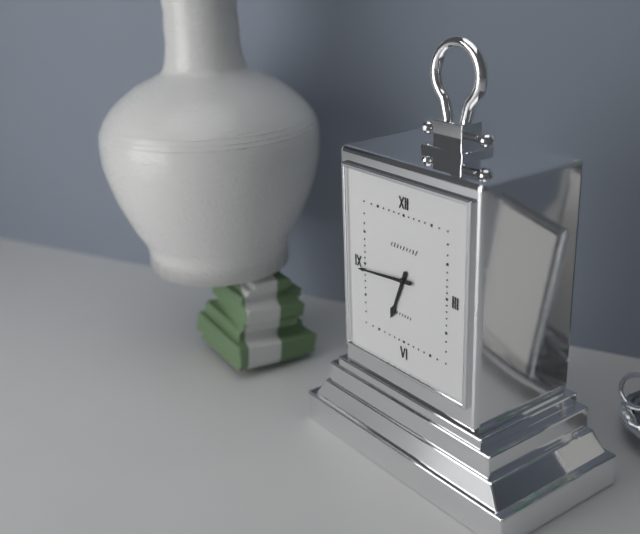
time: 6:44
